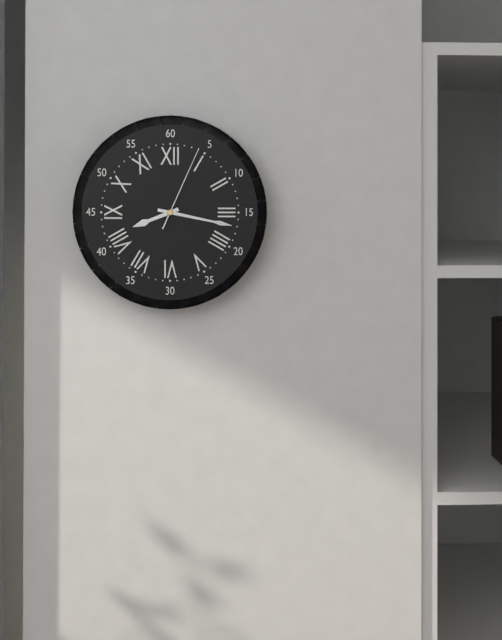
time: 8:17:04
